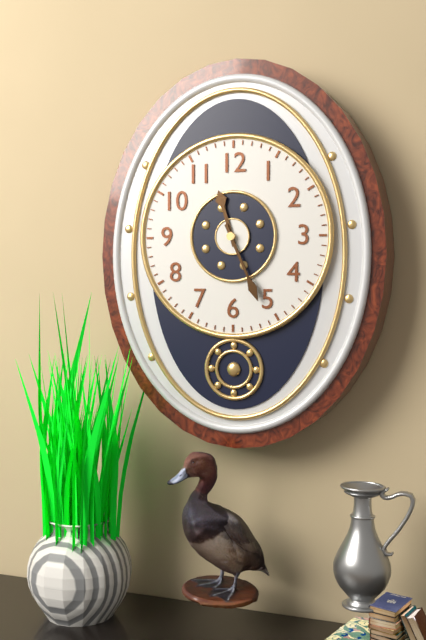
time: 11:26
